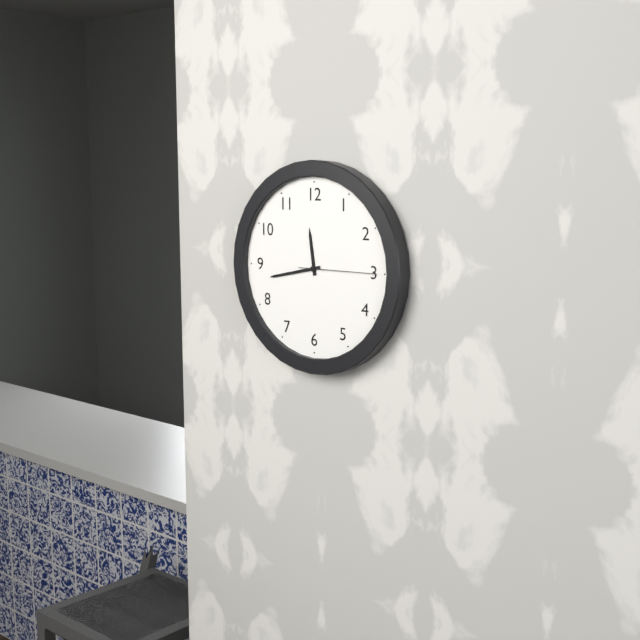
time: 11:43:15
